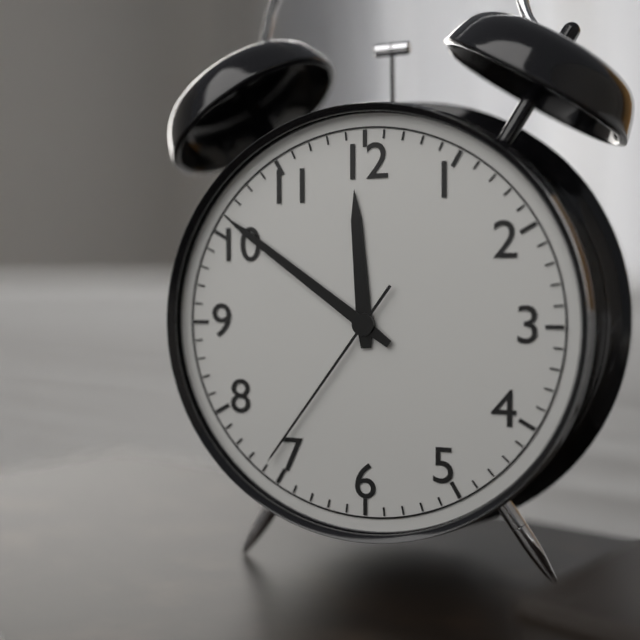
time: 11:51:36
